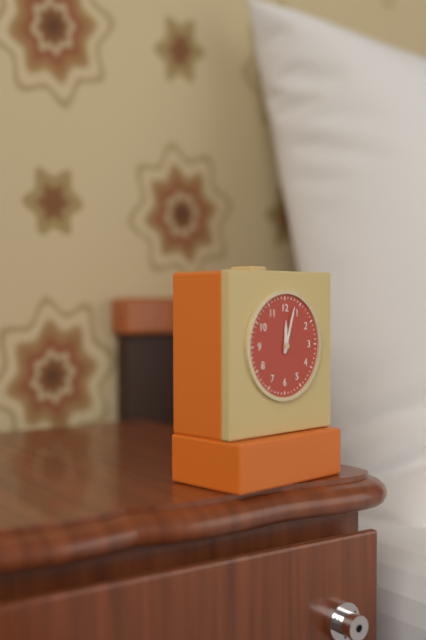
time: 12:03
